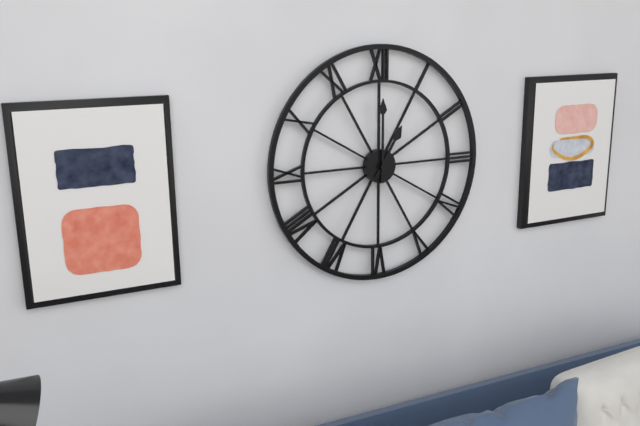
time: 1:00
